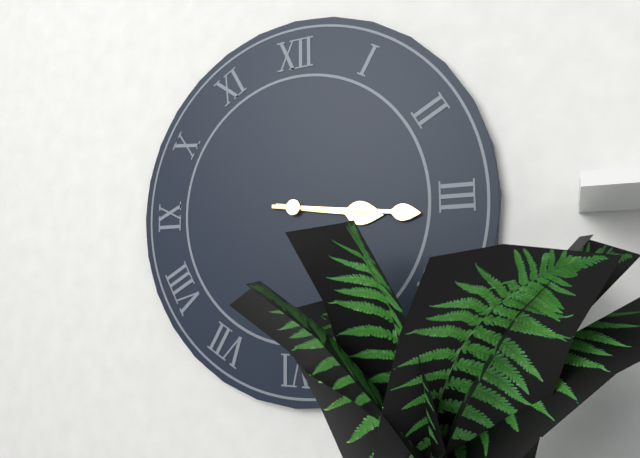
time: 3:16
